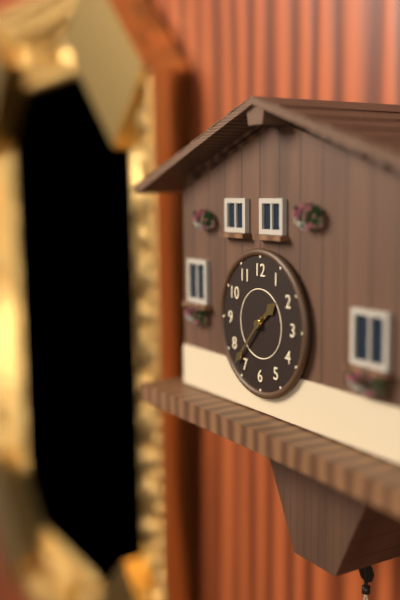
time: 1:37
